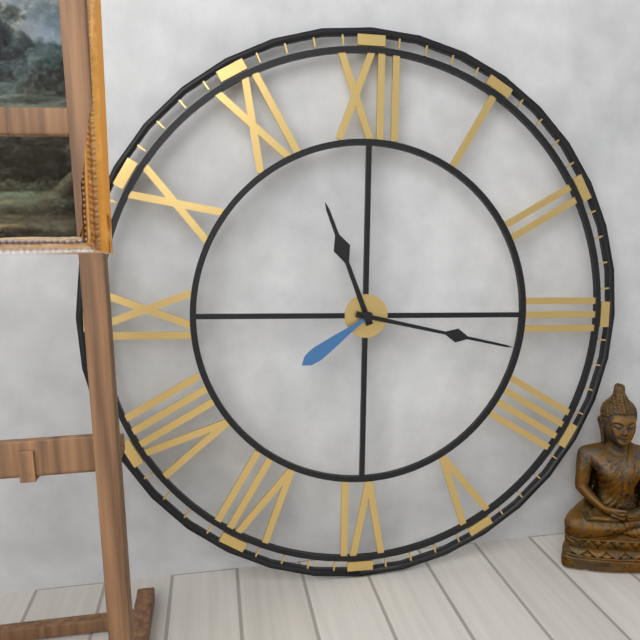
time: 11:17:39
